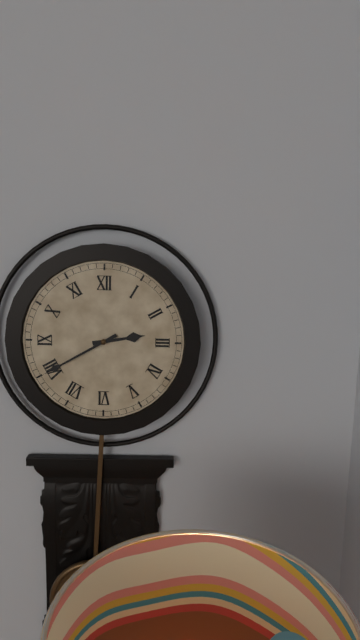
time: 2:40
